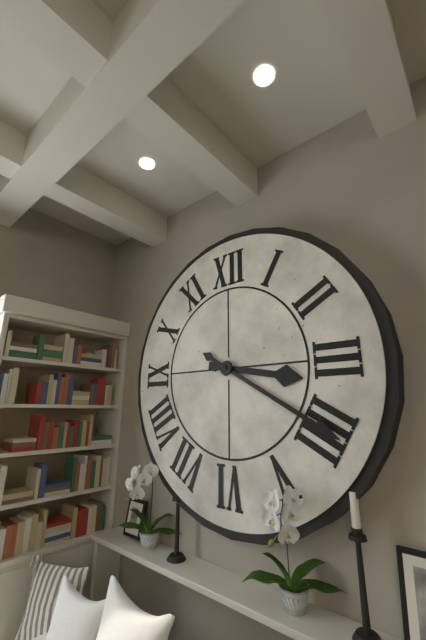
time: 3:20
